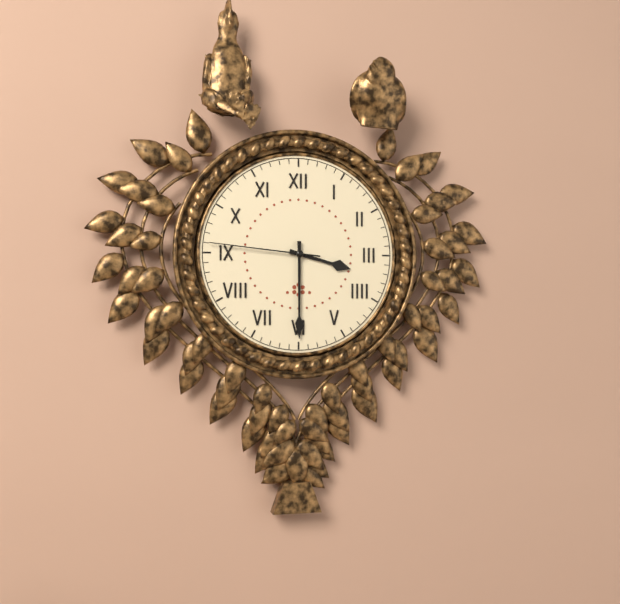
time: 3:30:46
